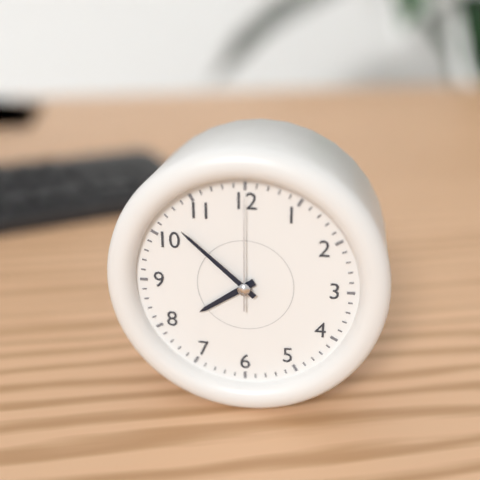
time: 7:52:00
